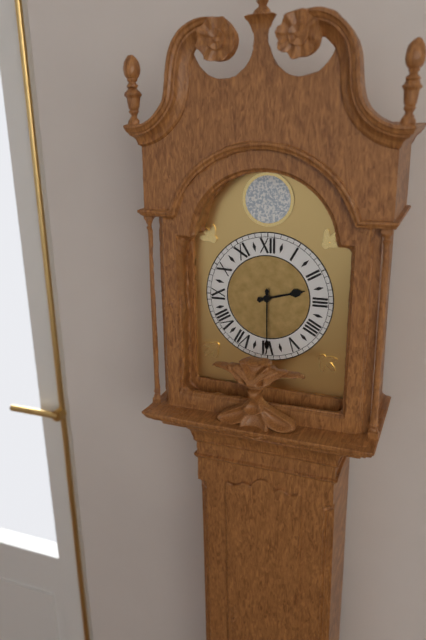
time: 2:30
